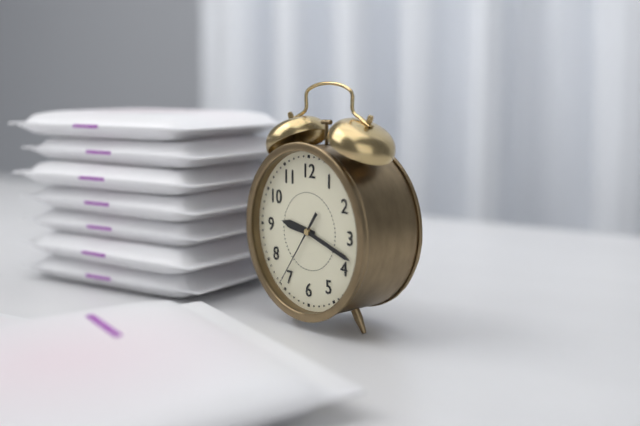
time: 9:18:36
